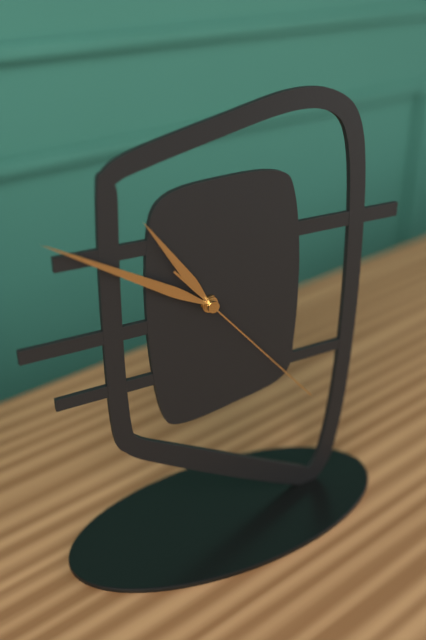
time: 10:50:23
